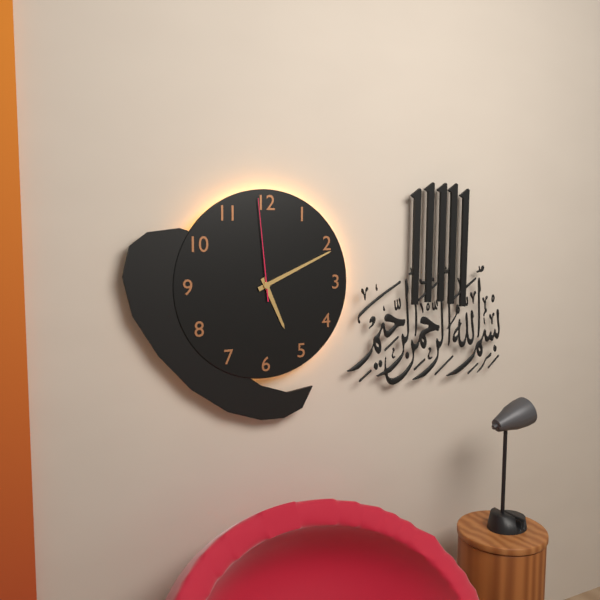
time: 5:11:59
